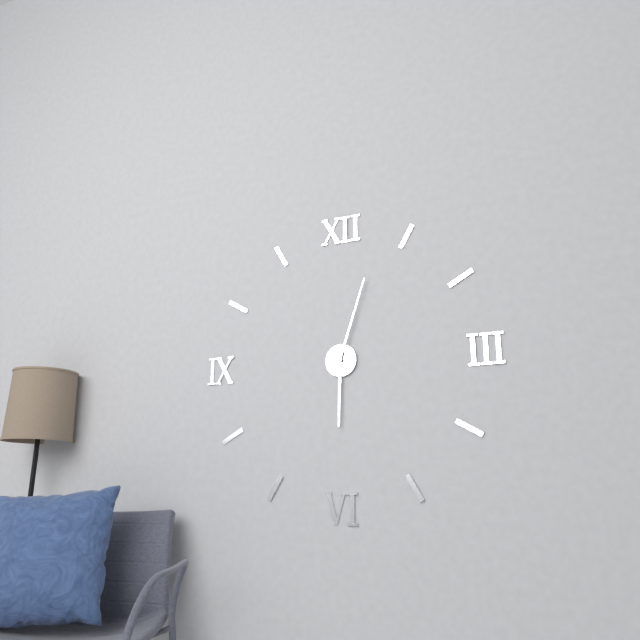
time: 6:03
